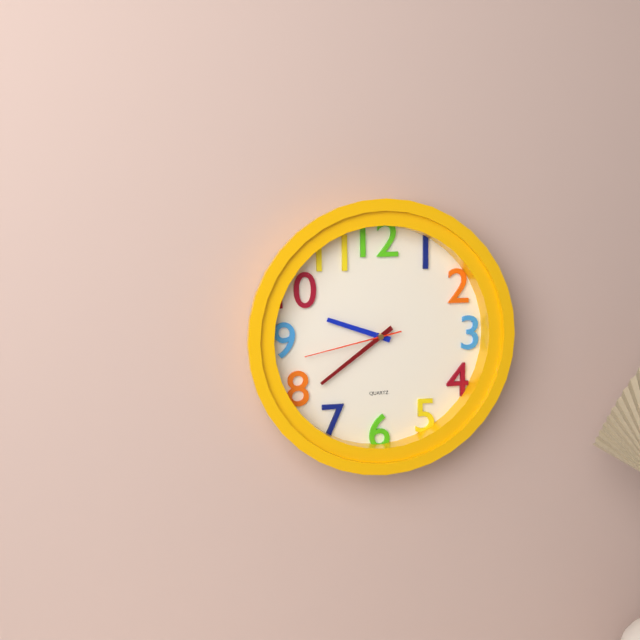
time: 9:39:43
